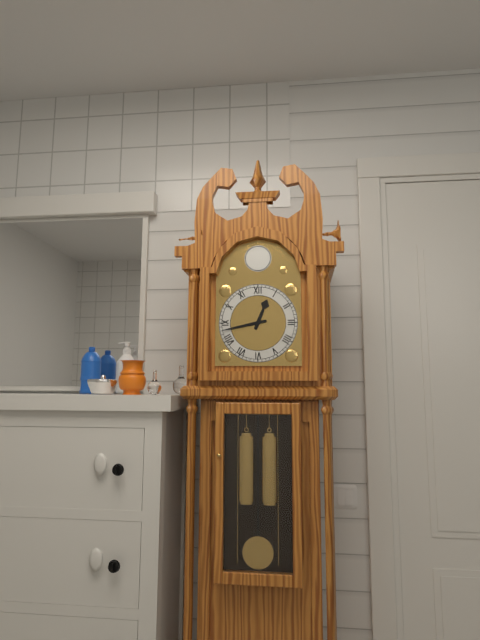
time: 12:43
